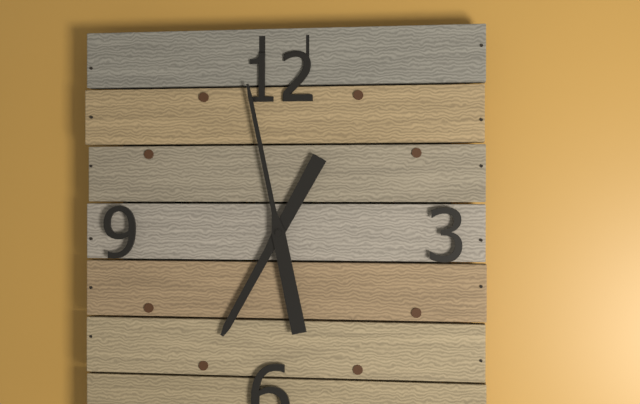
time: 6:58
